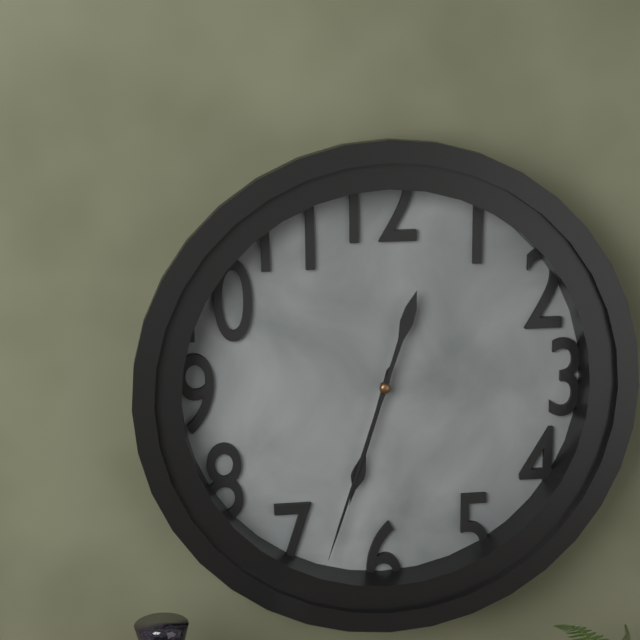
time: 6:33
